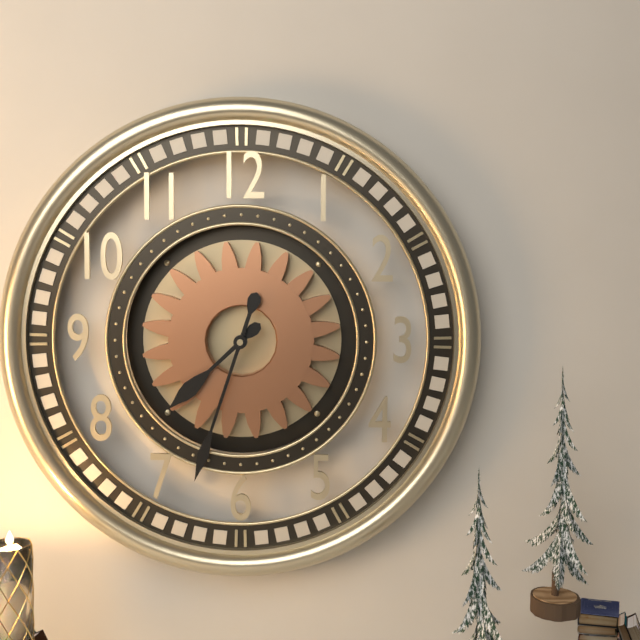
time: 7:33
